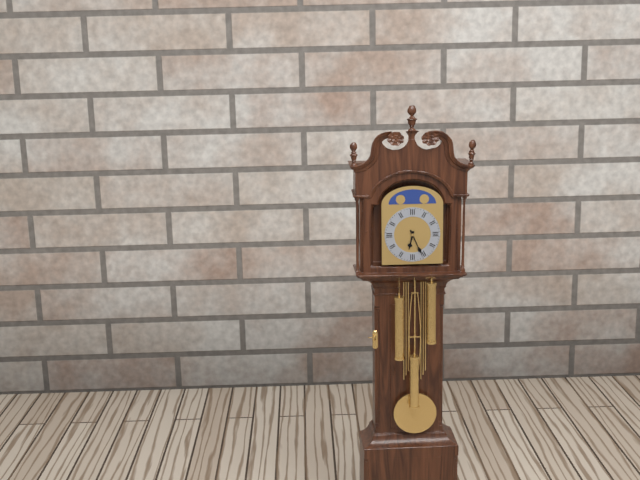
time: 6:26
